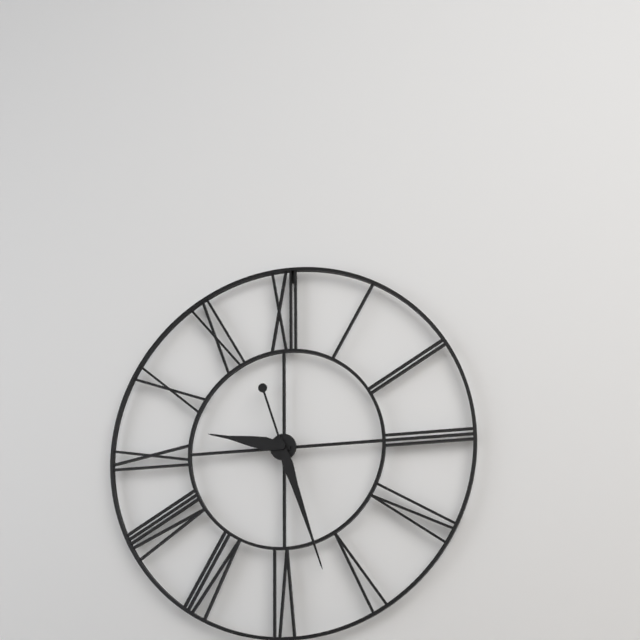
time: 9:27
